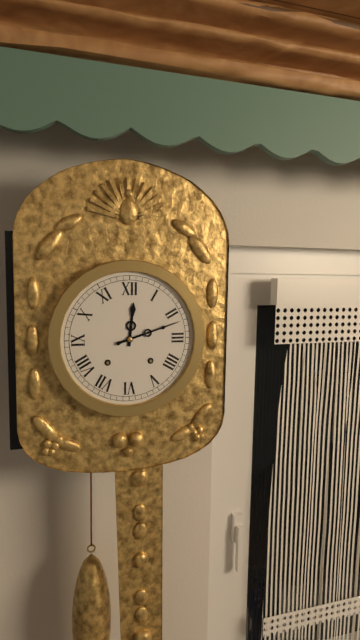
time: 12:12
